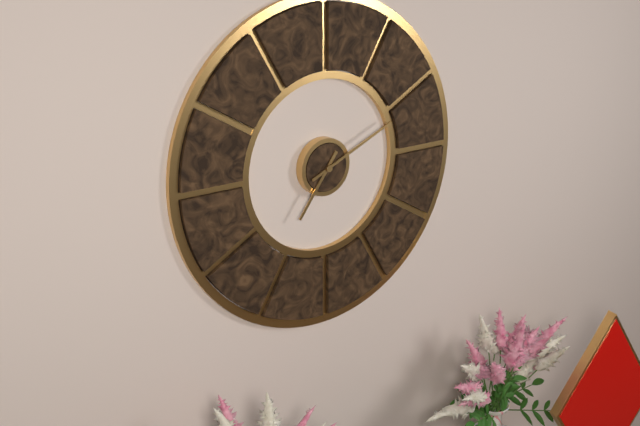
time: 7:11
